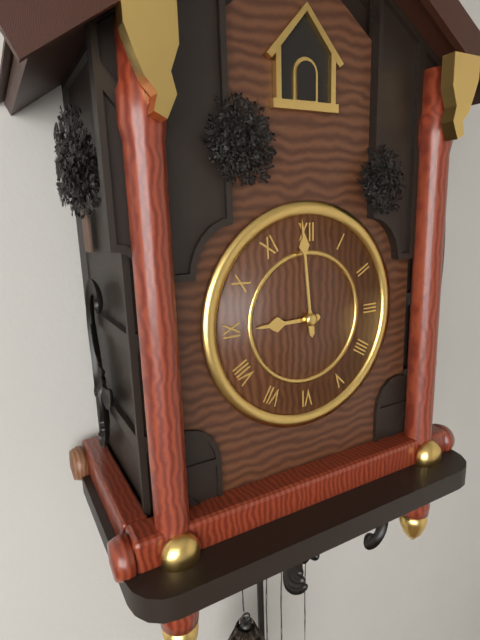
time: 8:59
